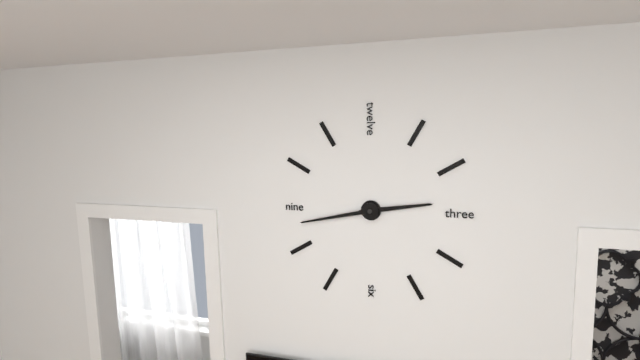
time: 2:43
